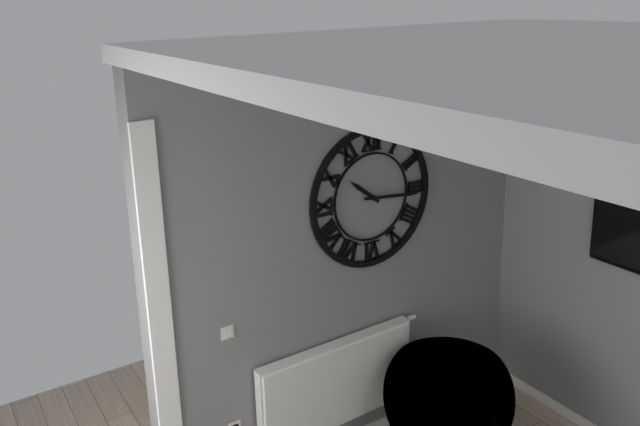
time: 10:16
